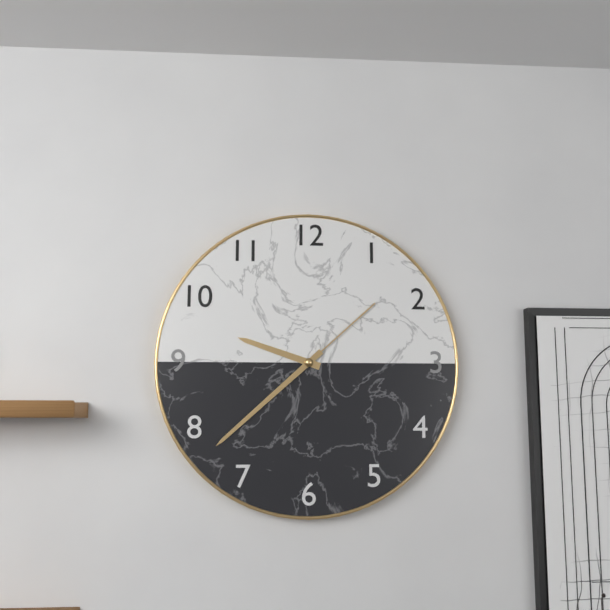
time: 9:38:38
